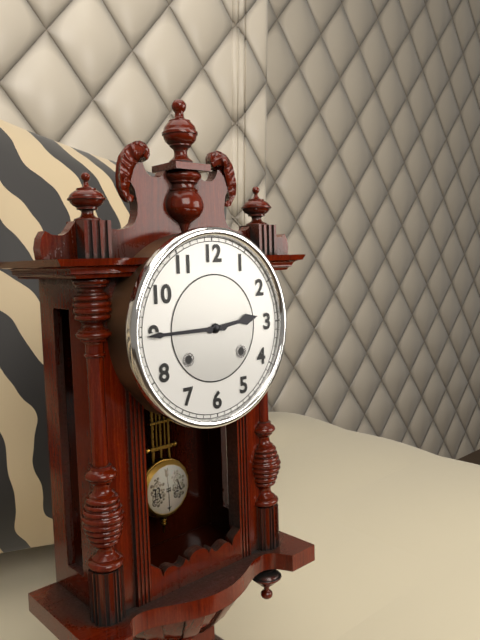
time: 2:45
